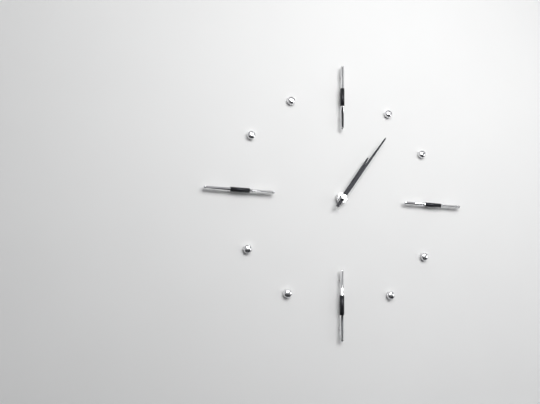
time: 1:06
